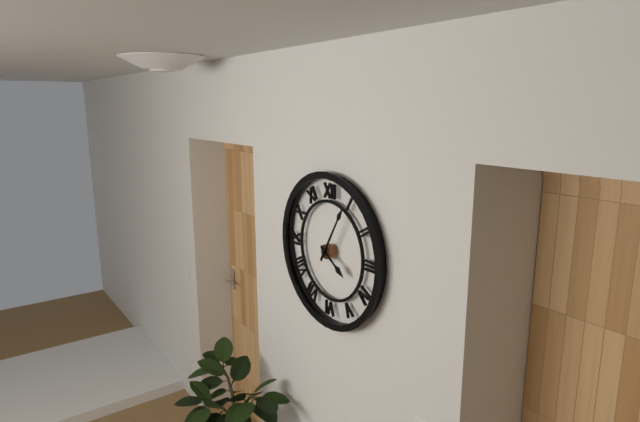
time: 4:05
